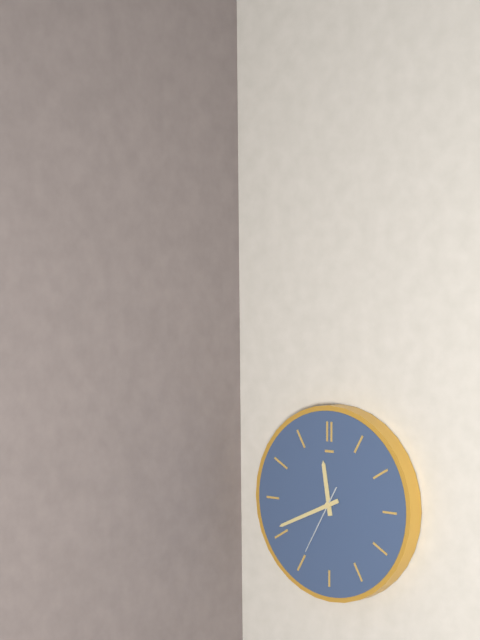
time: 11:41:35
